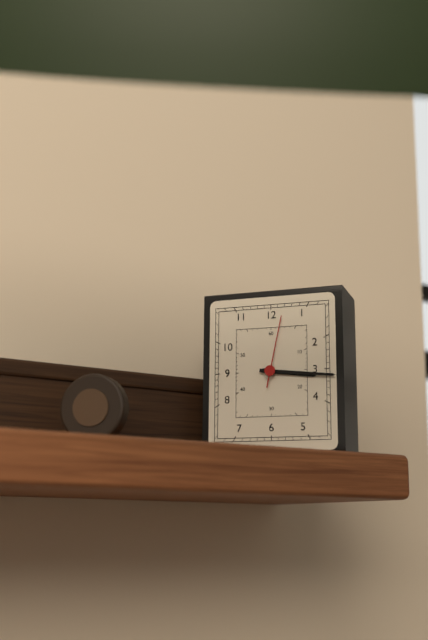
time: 3:16:02
